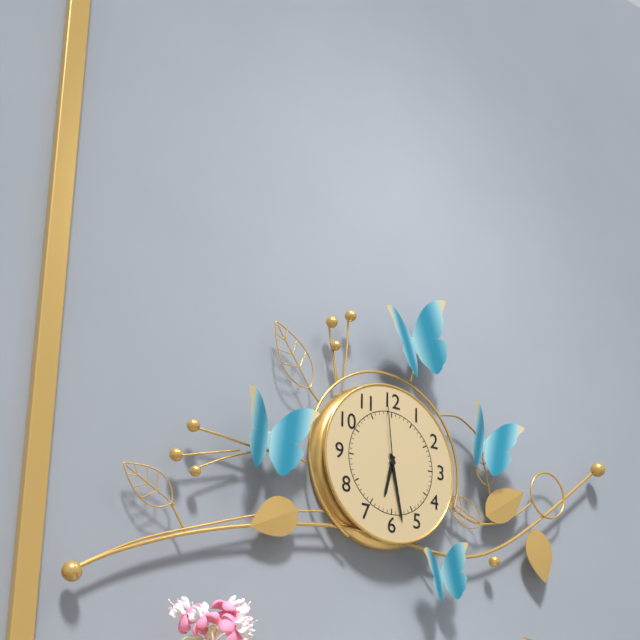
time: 6:28:59
